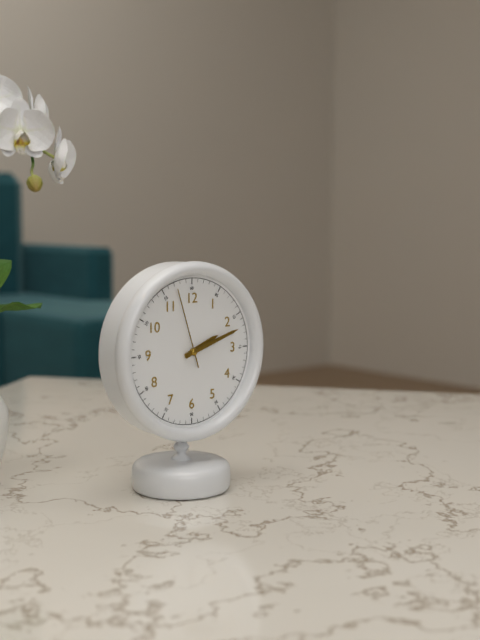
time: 2:12:57
